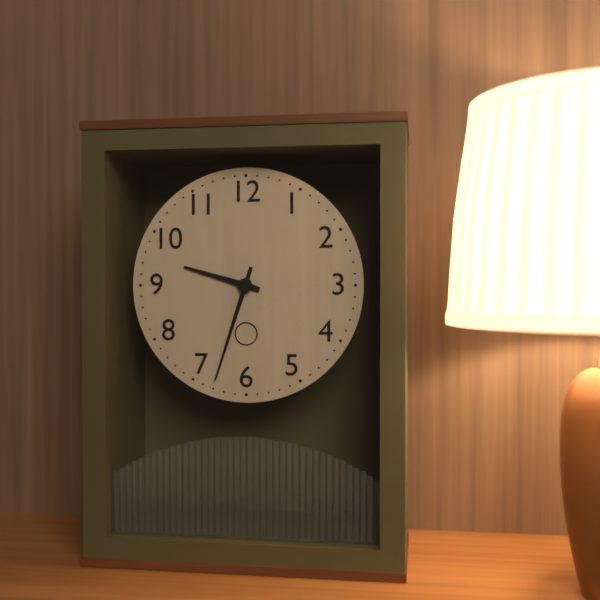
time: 9:33
